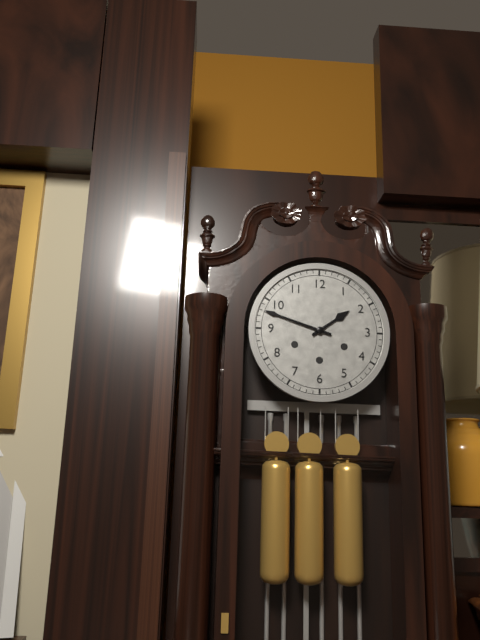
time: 1:48
